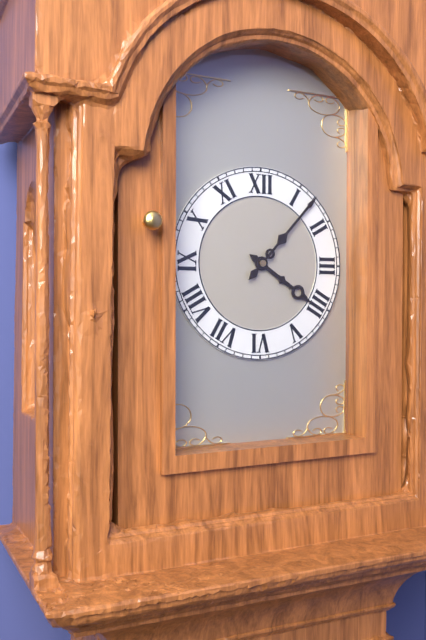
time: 4:07
